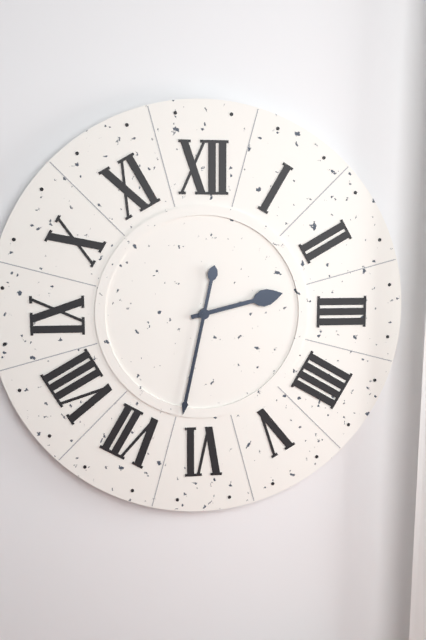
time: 2:32
